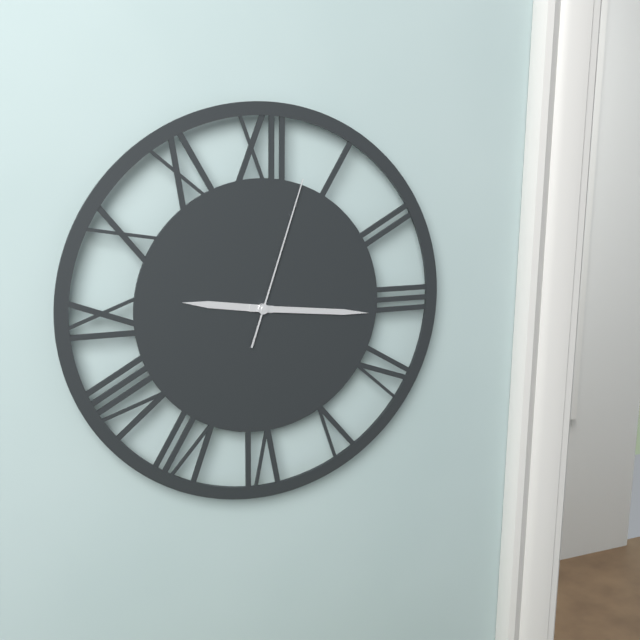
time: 9:16:03
